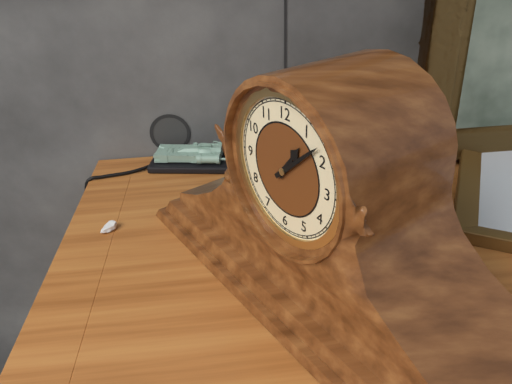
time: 1:08
